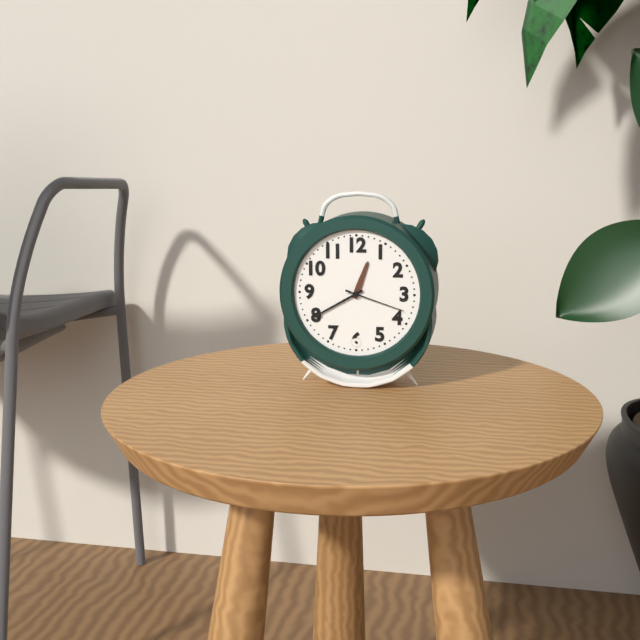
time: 12:40:18
